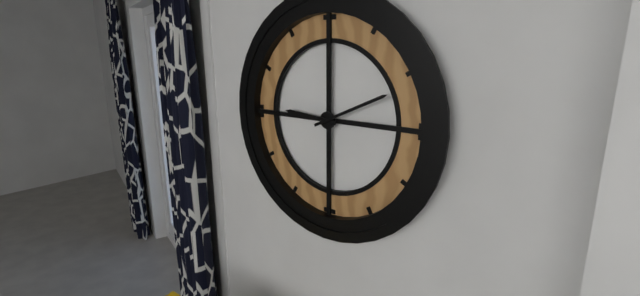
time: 9:11
